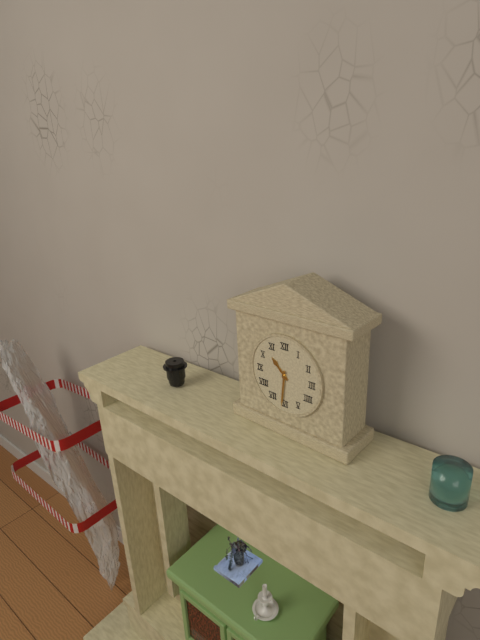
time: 10:31
